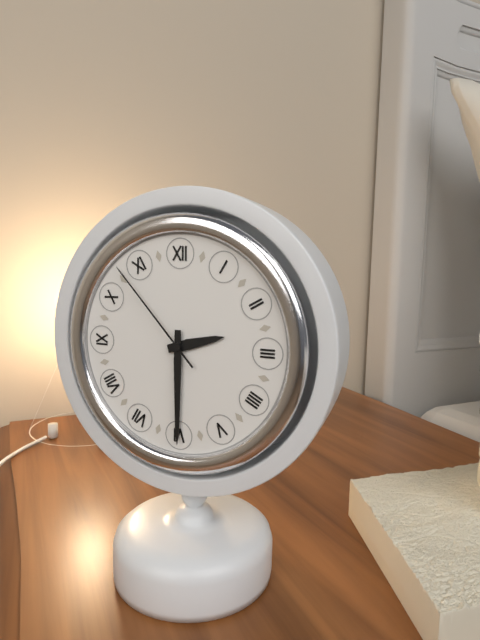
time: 2:30:53
